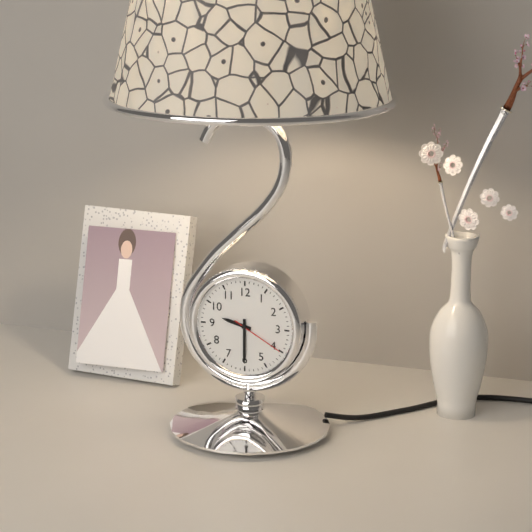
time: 9:30:20
